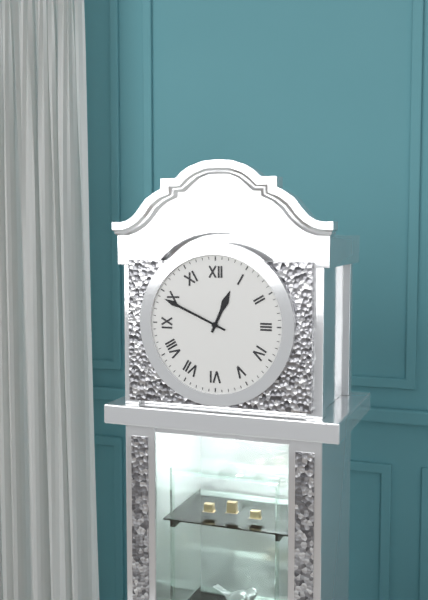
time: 12:49
